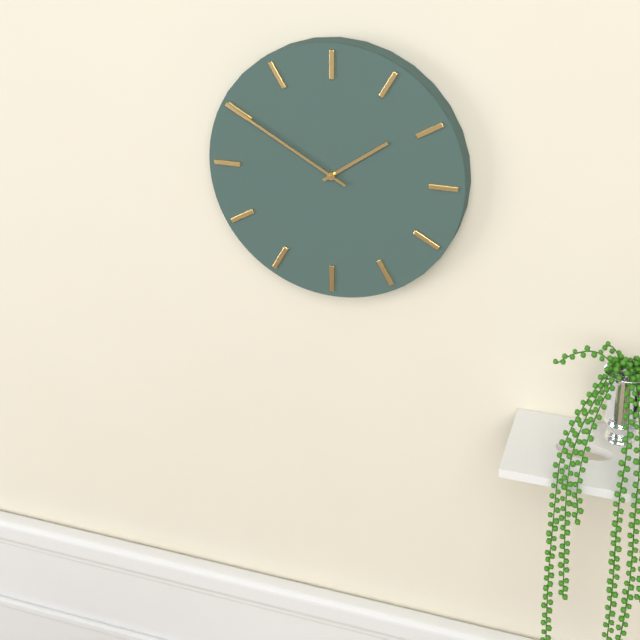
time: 1:50
